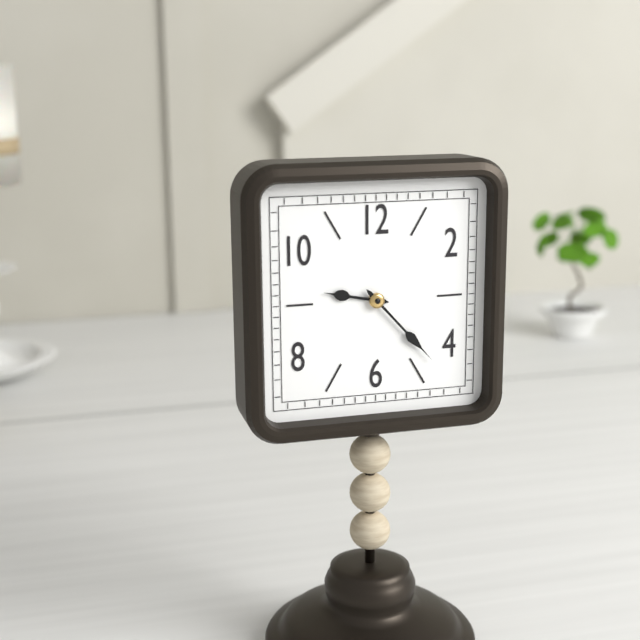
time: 9:23
